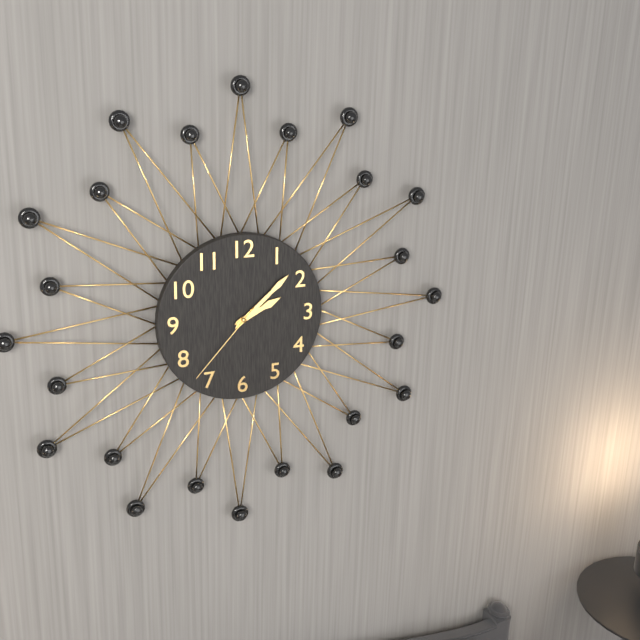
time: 2:08:37
